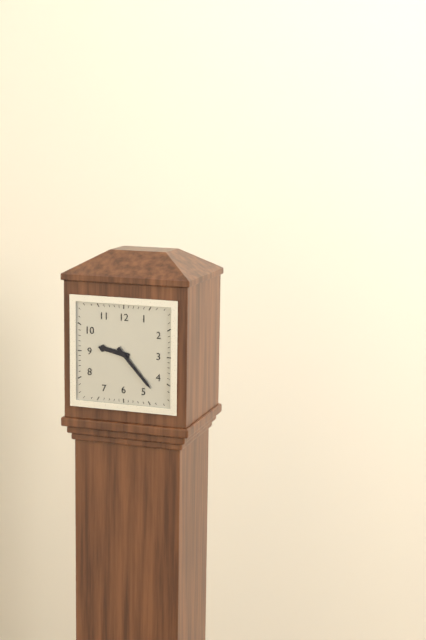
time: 9:23
